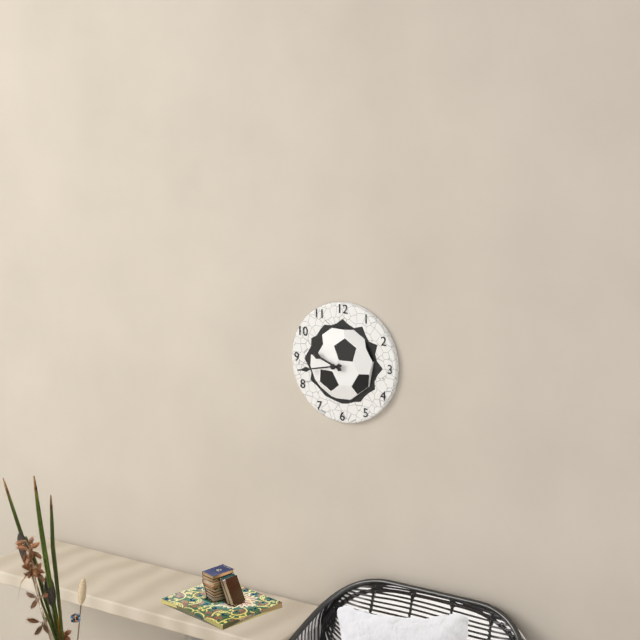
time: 9:43
